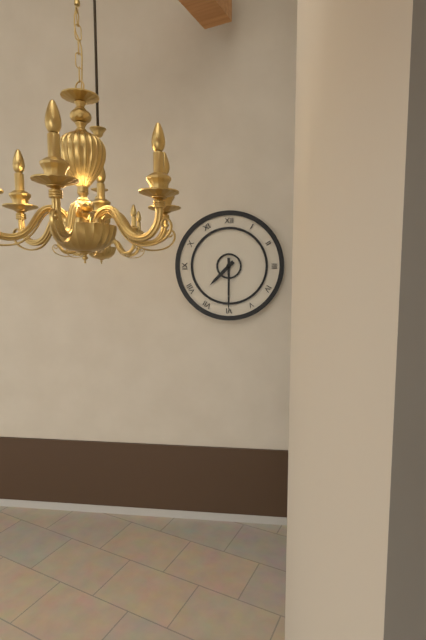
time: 7:30
